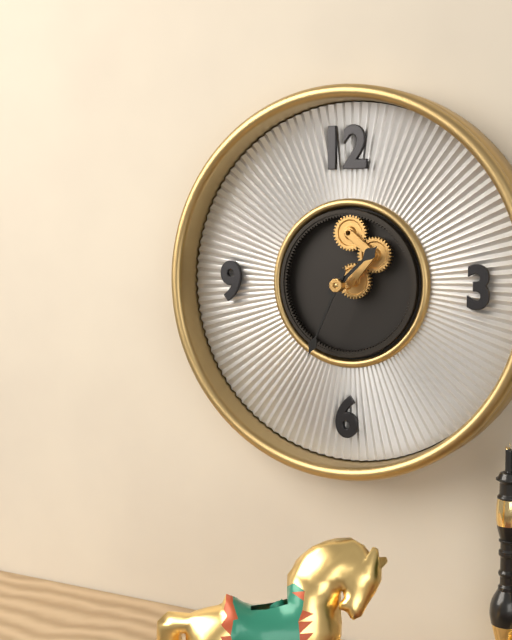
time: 1:34
